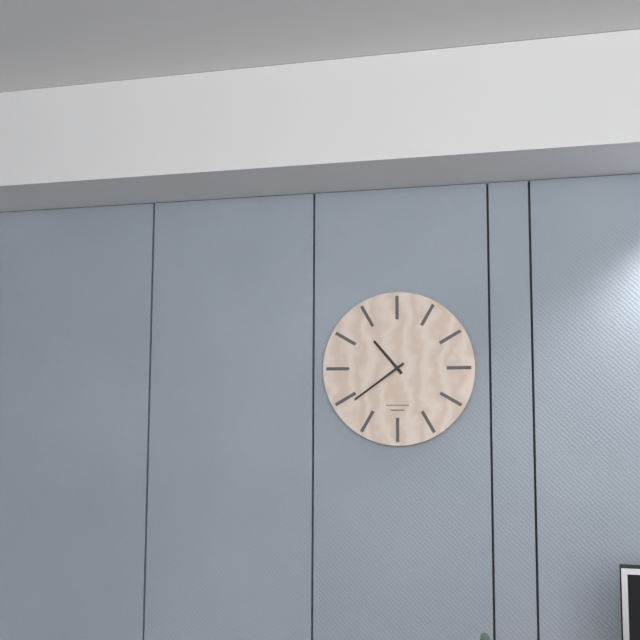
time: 10:39
